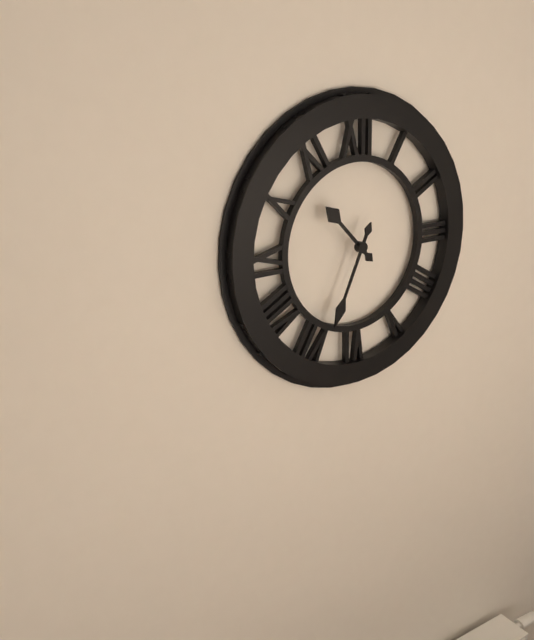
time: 10:34
